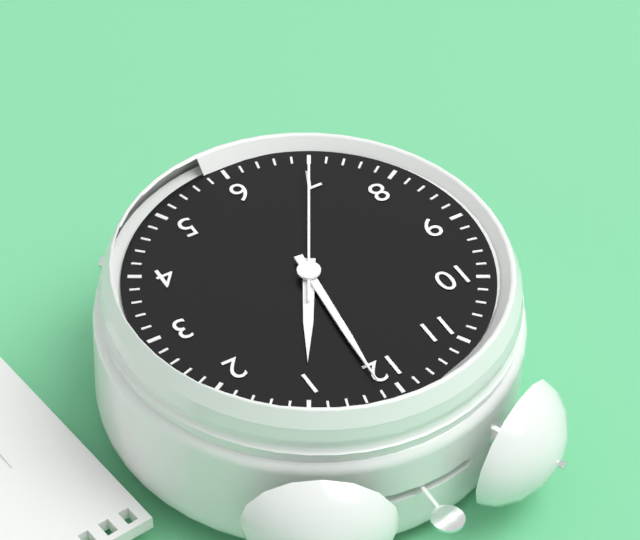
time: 1:01:35
